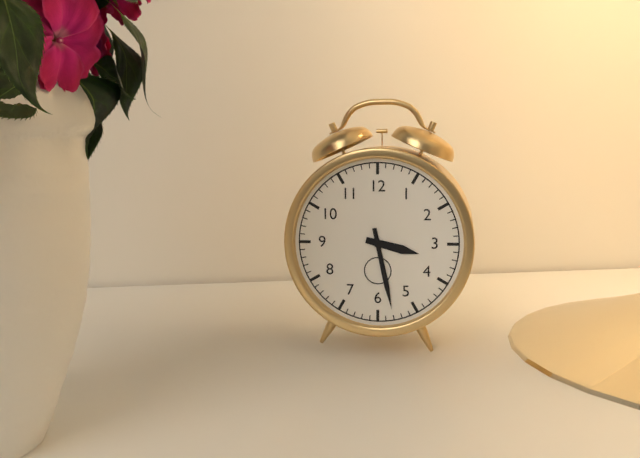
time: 3:28
